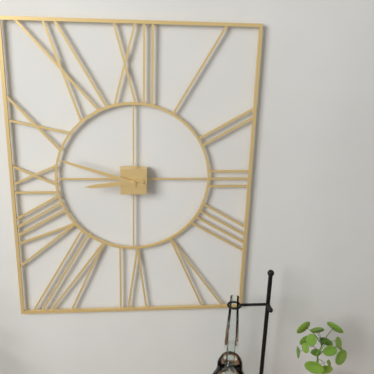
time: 8:48
